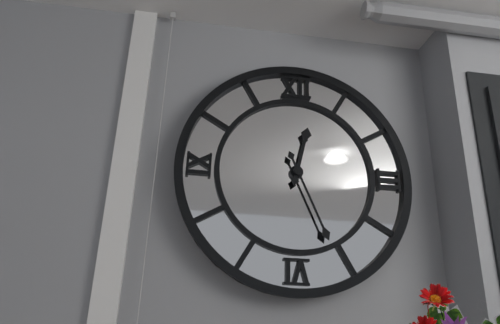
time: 12:26
